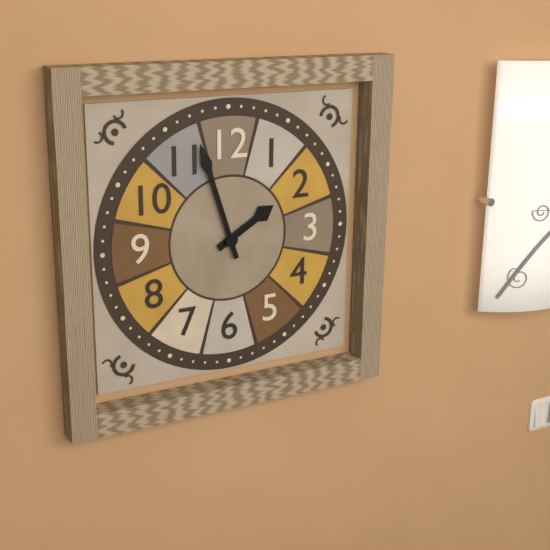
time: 1:57
